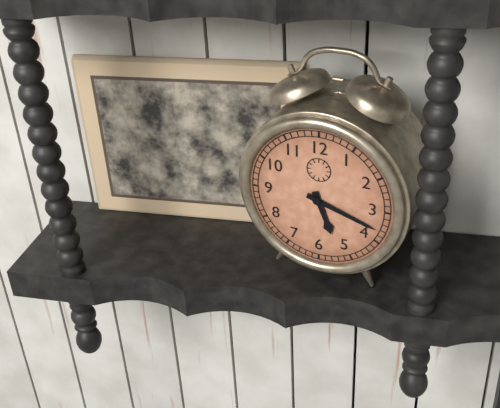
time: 5:18
